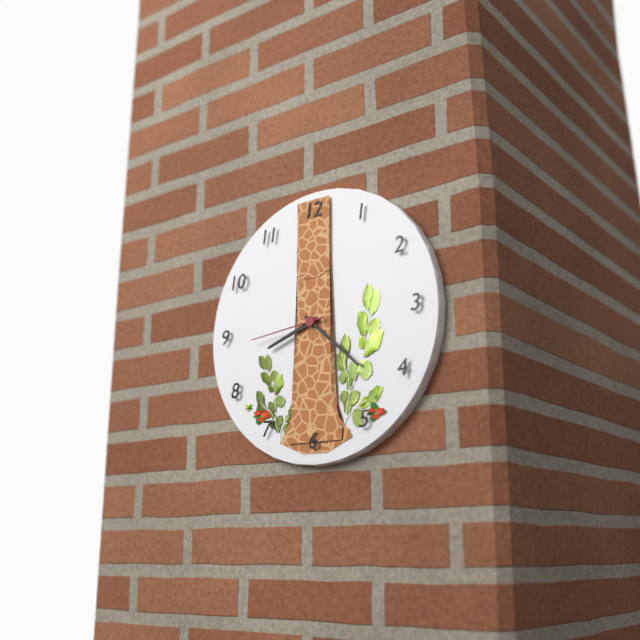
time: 8:22:44
